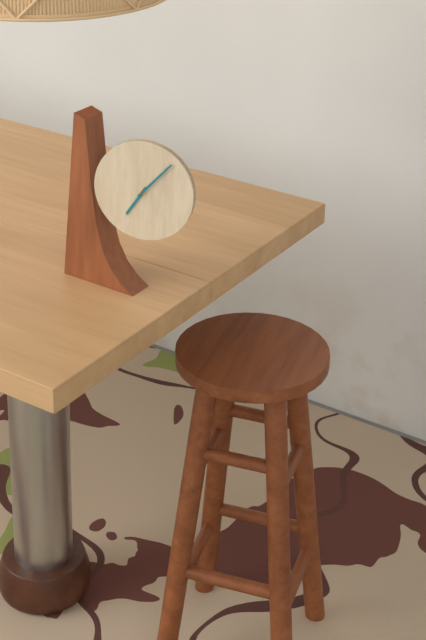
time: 7:07
